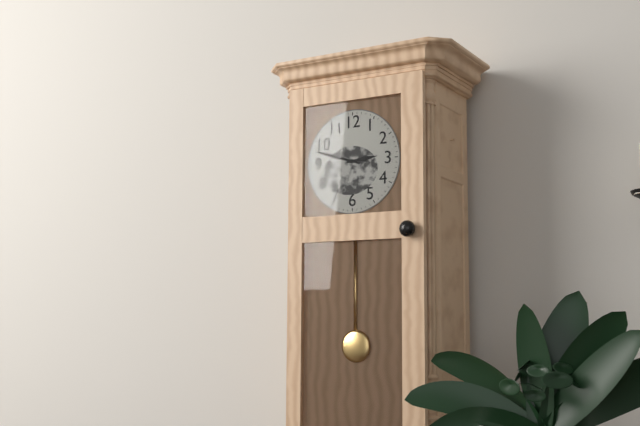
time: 2:48
